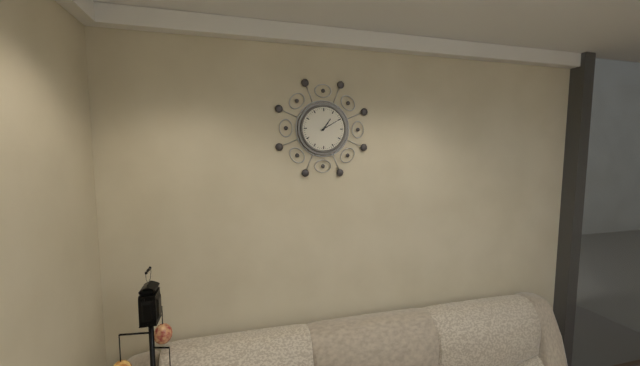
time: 1:10
